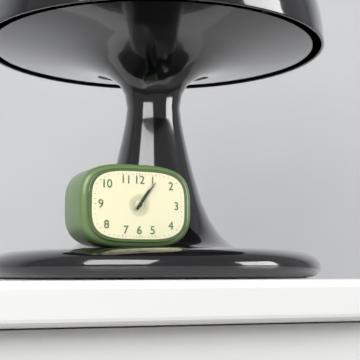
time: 1:06
